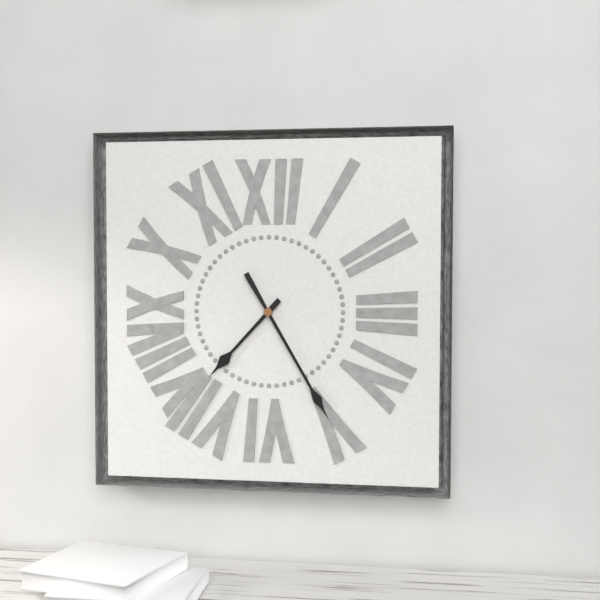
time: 7:25
